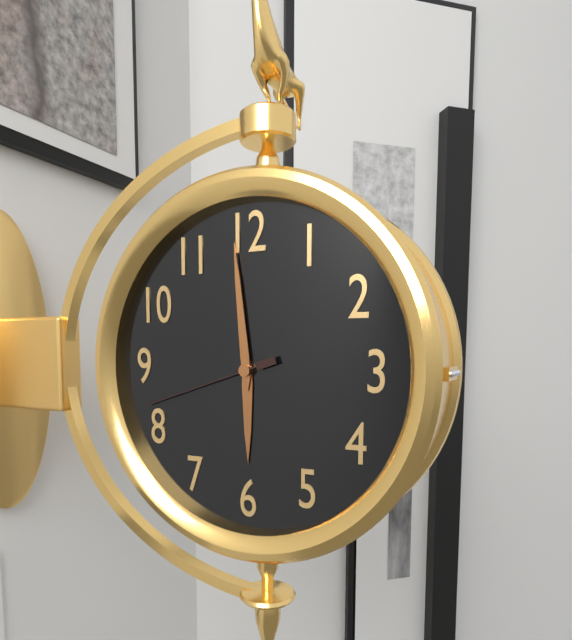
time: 5:59:42
